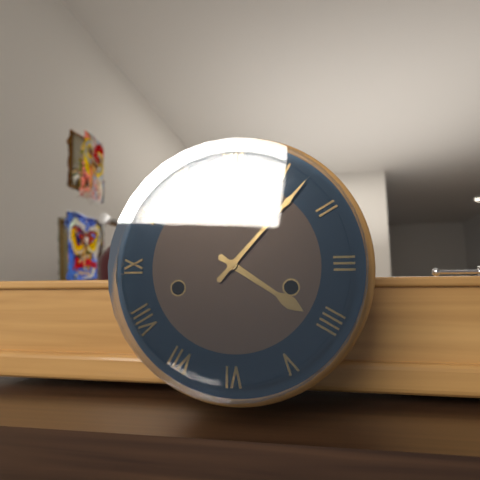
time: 4:07
